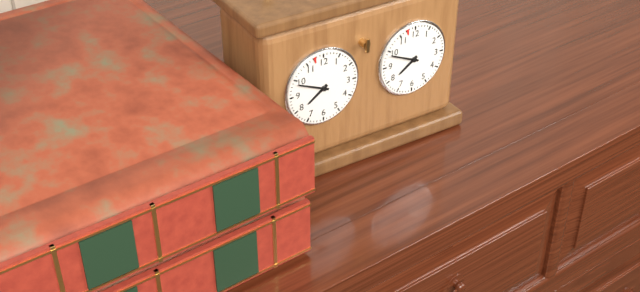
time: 7:49
